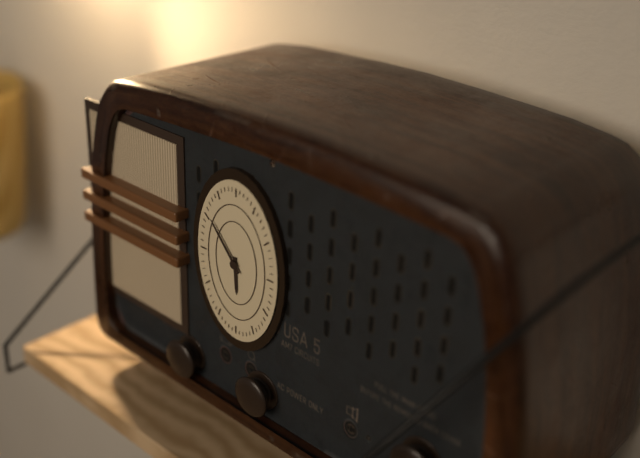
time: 5:53
